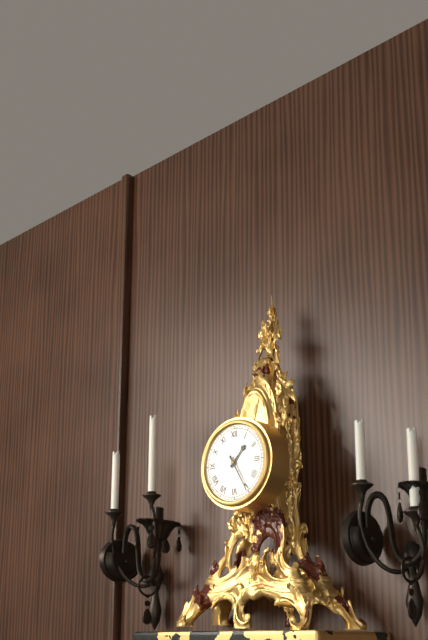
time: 1:25
